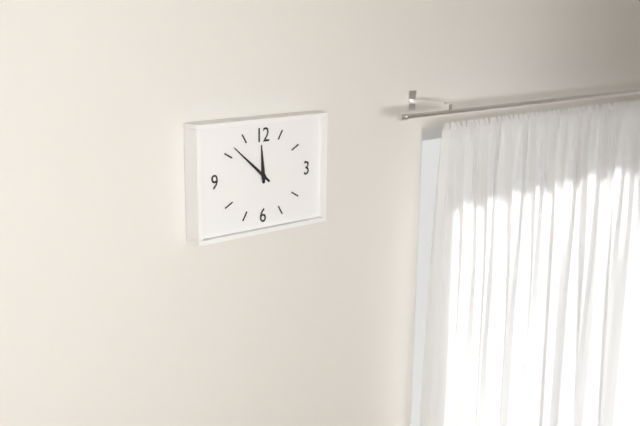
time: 11:52
